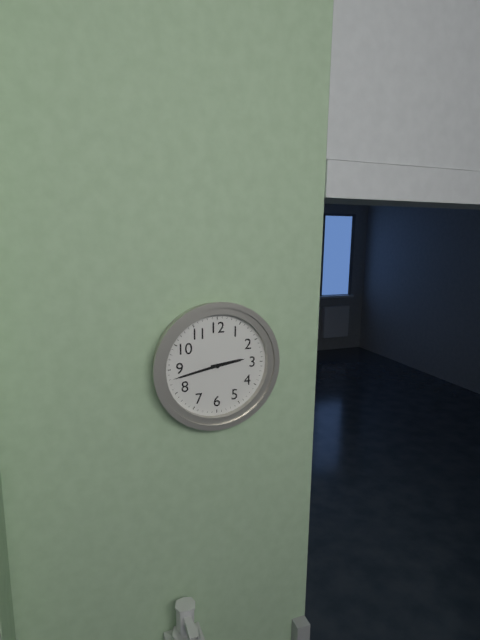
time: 2:43
